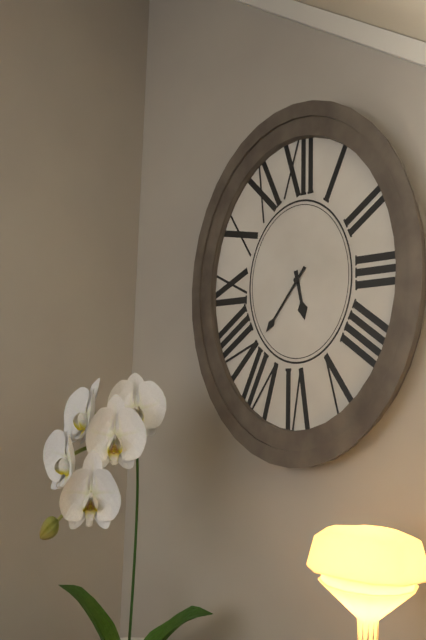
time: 5:36
